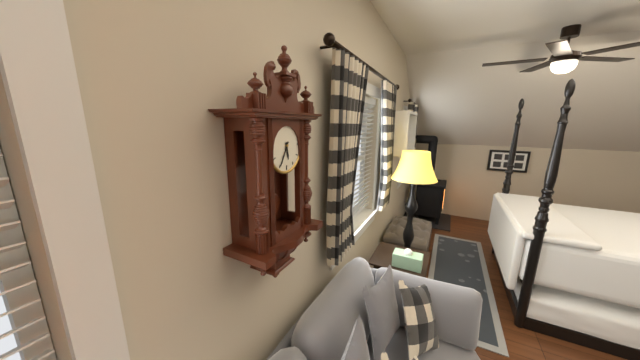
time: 5:35
